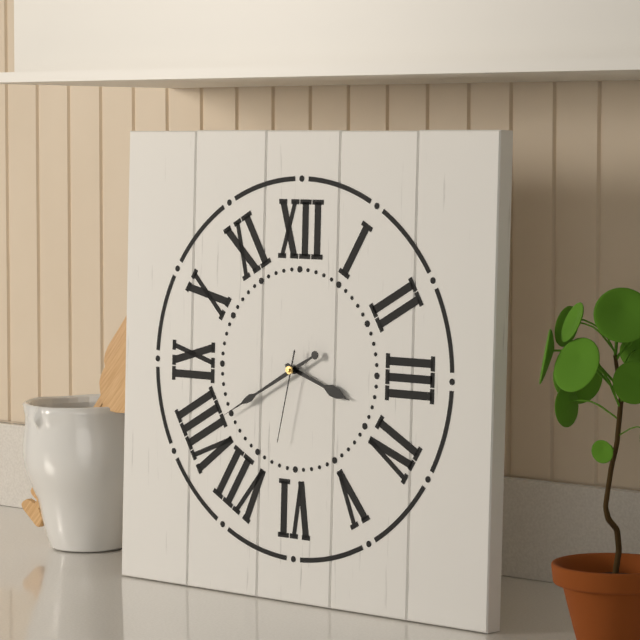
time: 3:40:32
